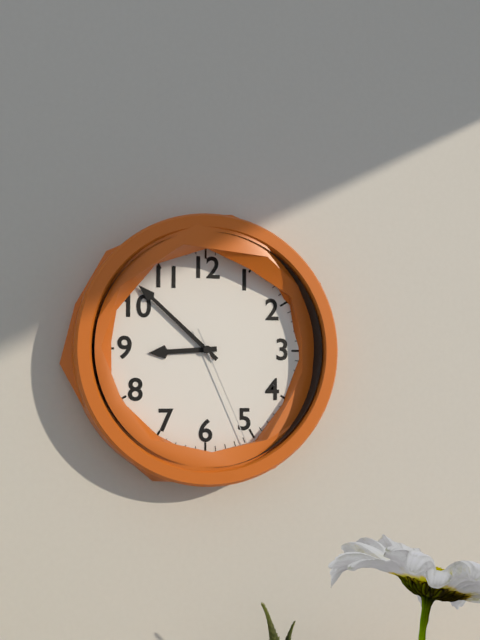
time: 8:52:26
